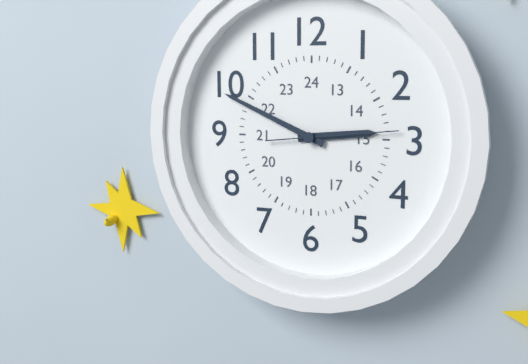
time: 2:49:14
